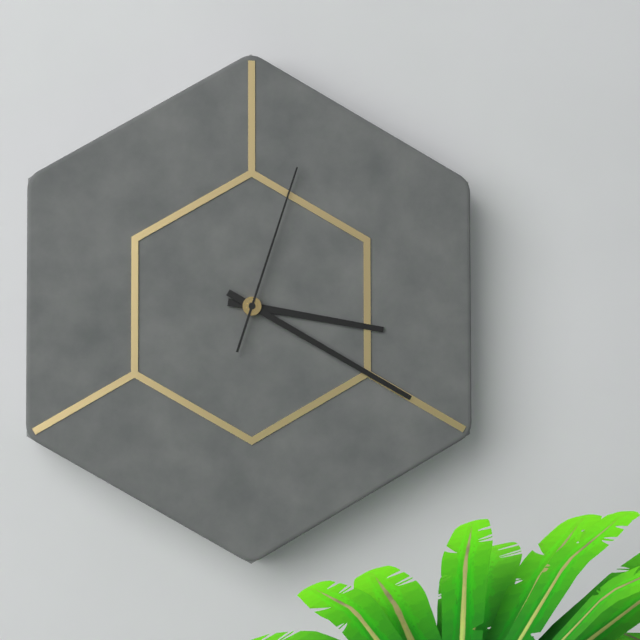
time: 3:20:03
